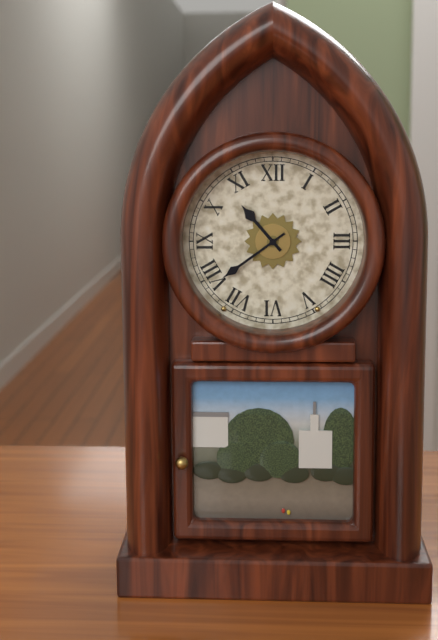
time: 10:39
